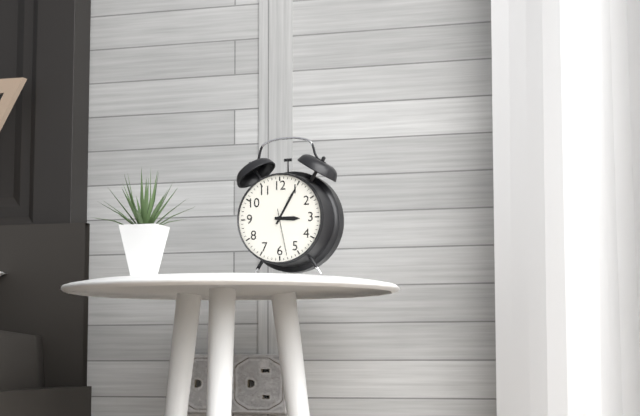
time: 3:05
